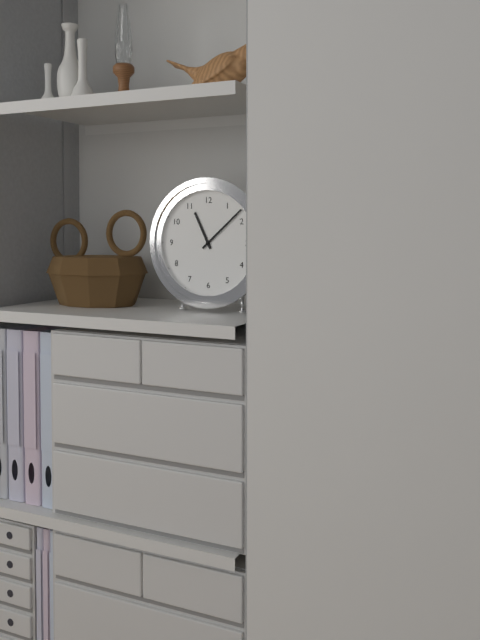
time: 11:08
